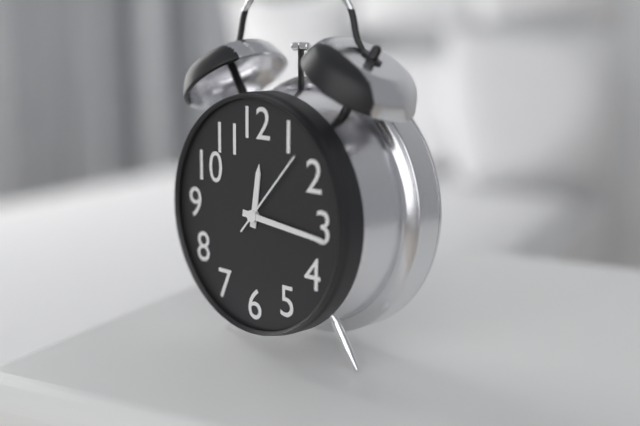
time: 12:16:07
